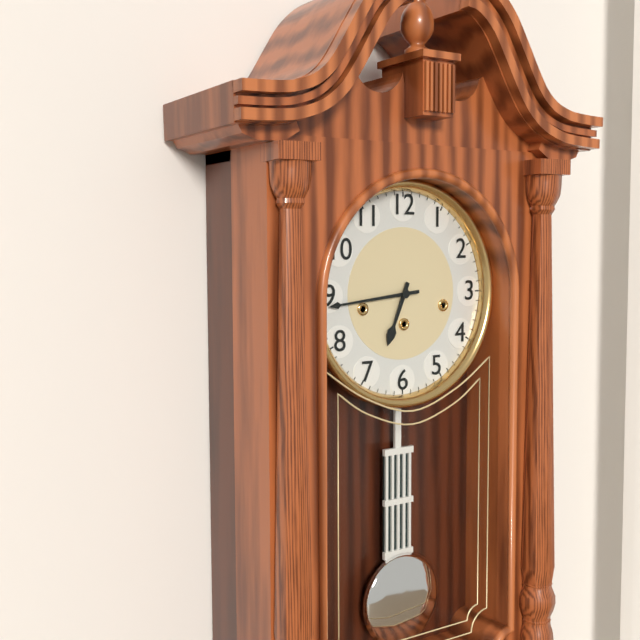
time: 6:44
